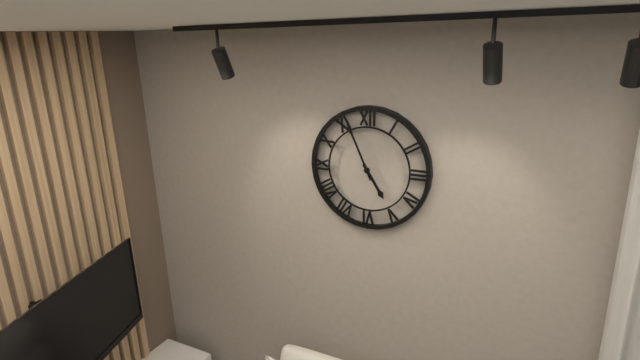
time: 4:56
